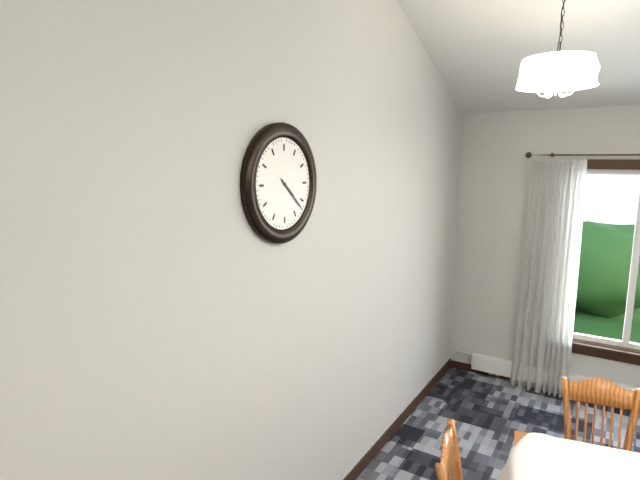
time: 4:22
